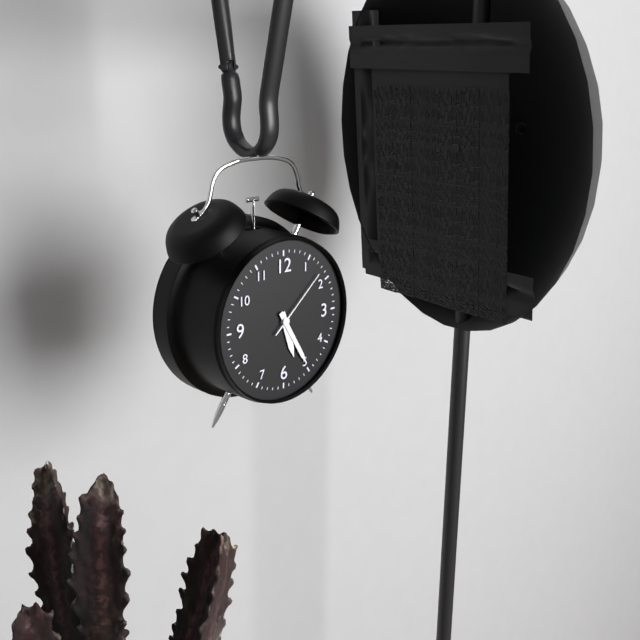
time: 5:25:08
